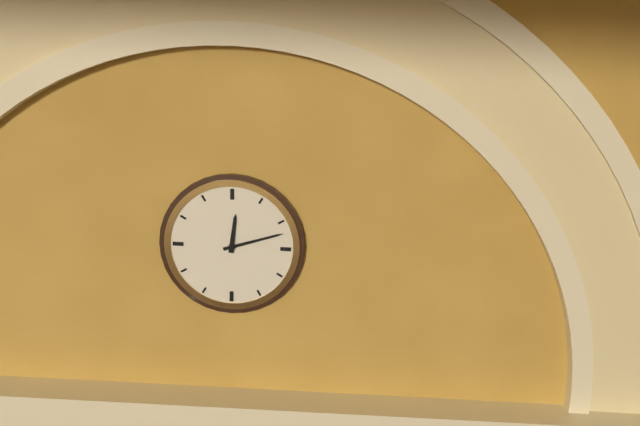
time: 12:12
